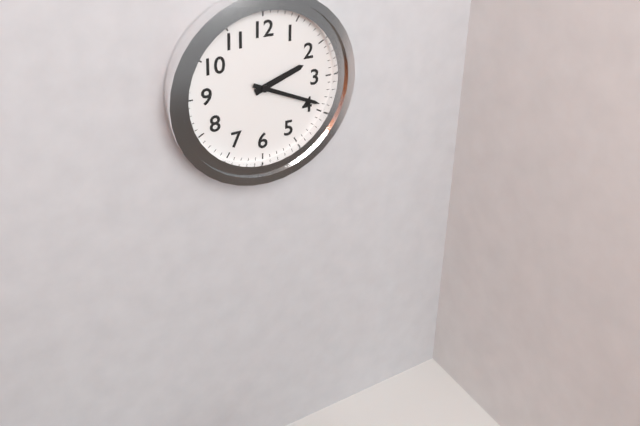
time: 2:19
